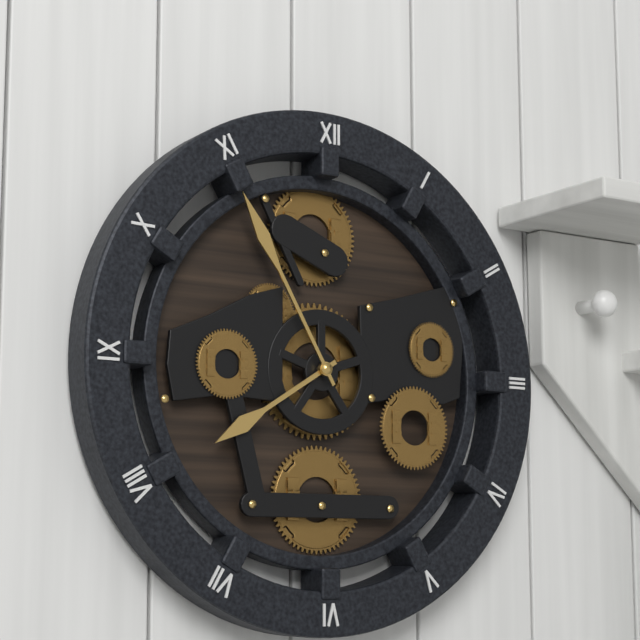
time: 7:55
